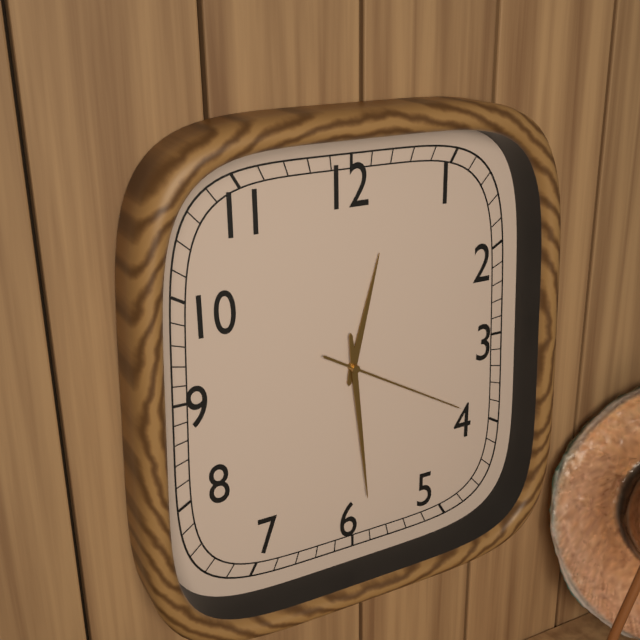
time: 12:29:20
